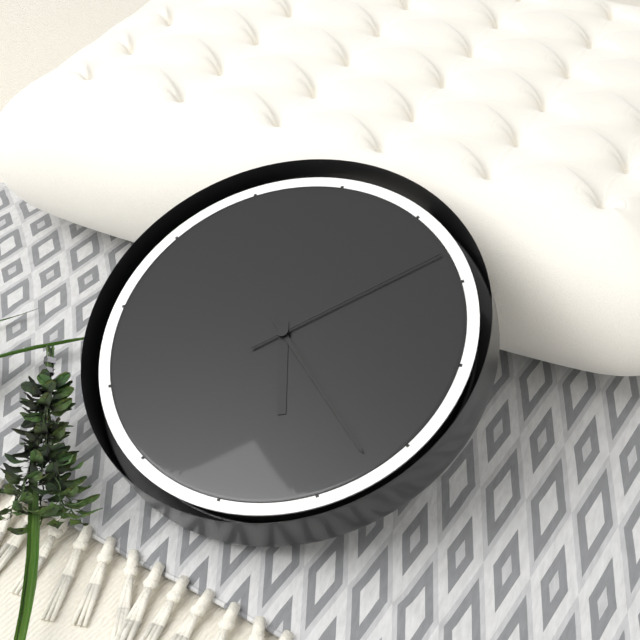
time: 5:22:08
